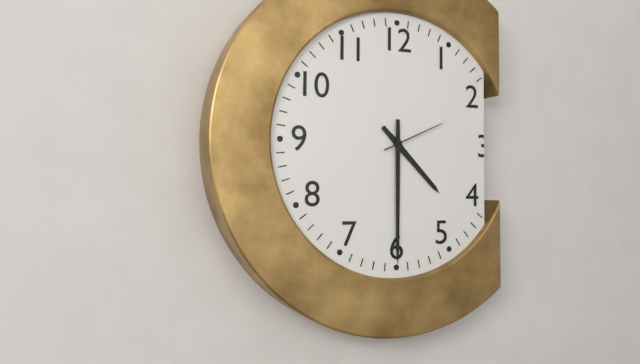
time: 4:30:11
